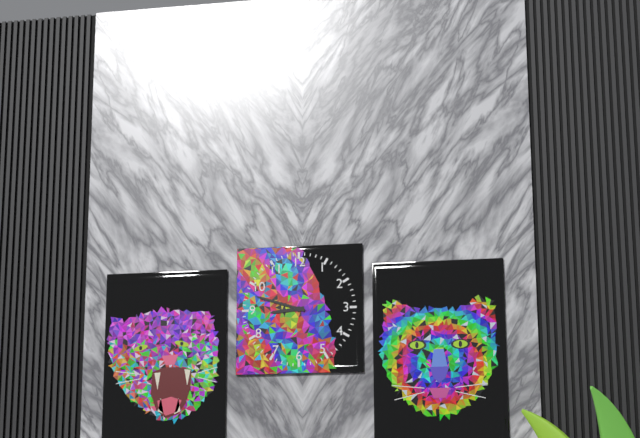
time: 8:48
